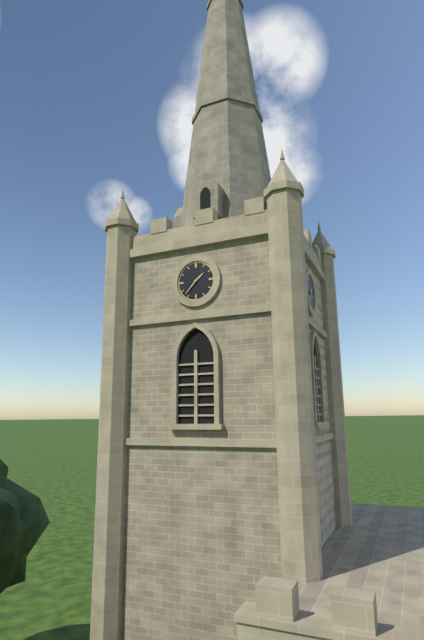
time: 1:37
